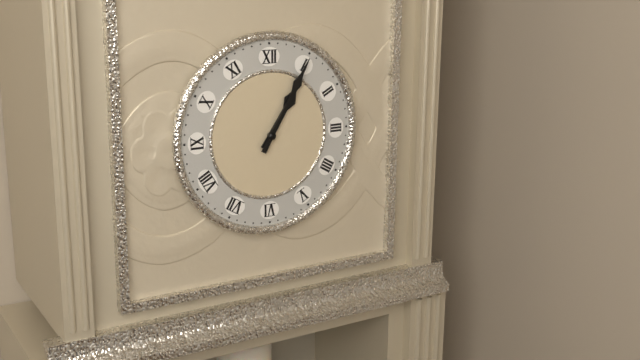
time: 1:05
